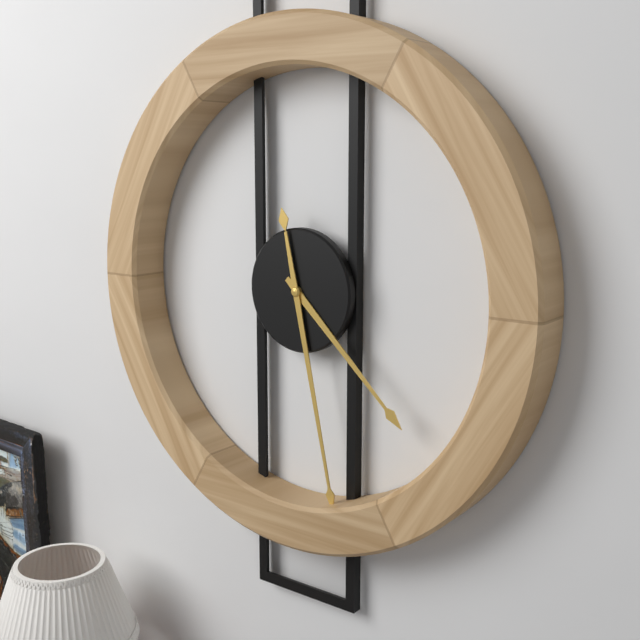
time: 4:28
